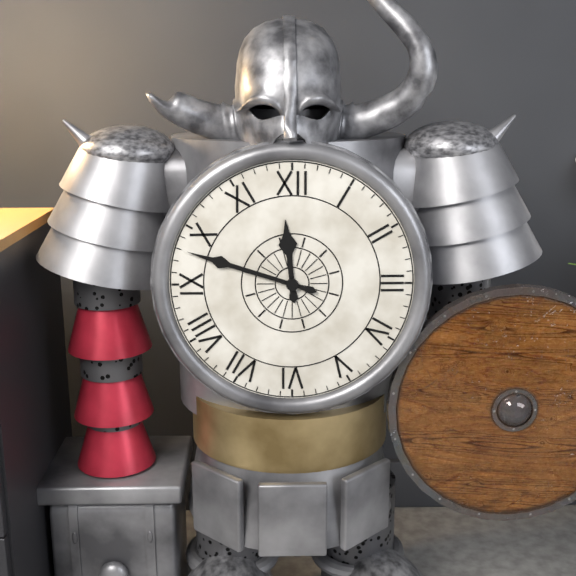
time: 11:48
